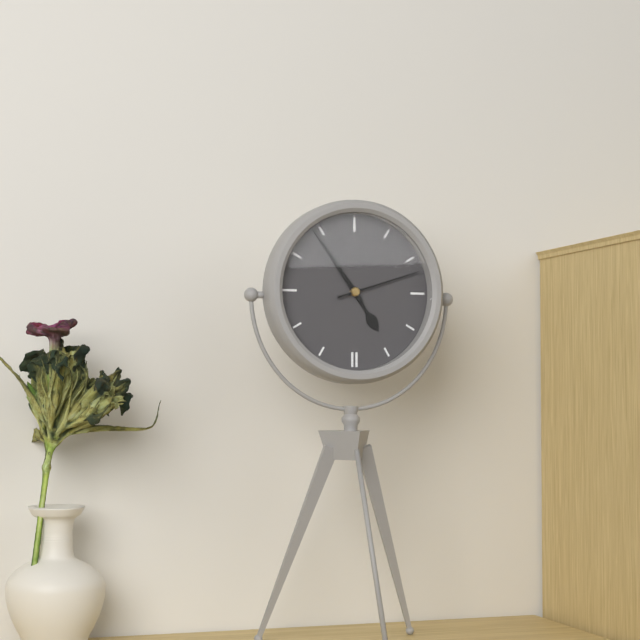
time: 4:54:12
